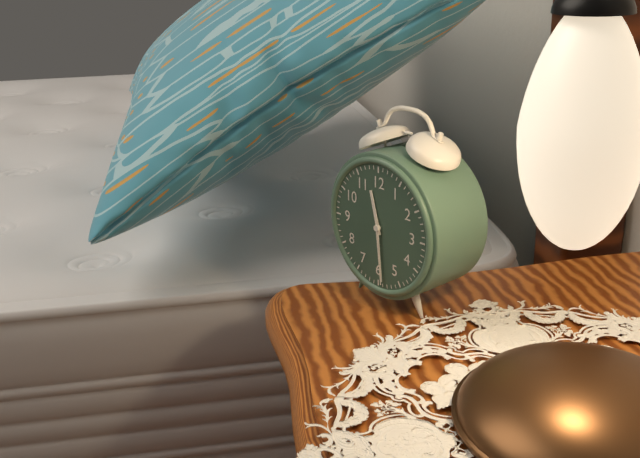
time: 11:29:29
